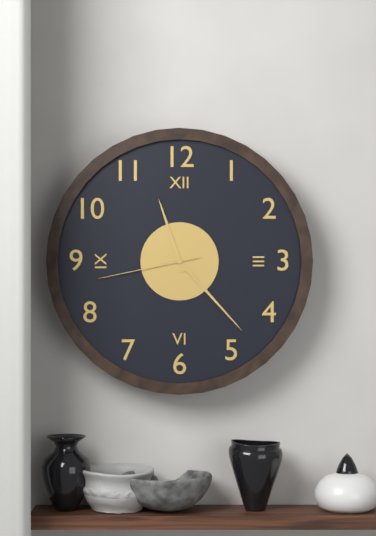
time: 11:23:43
